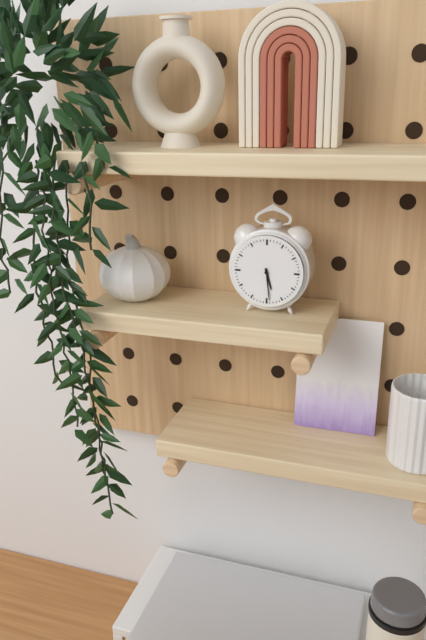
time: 5:29
